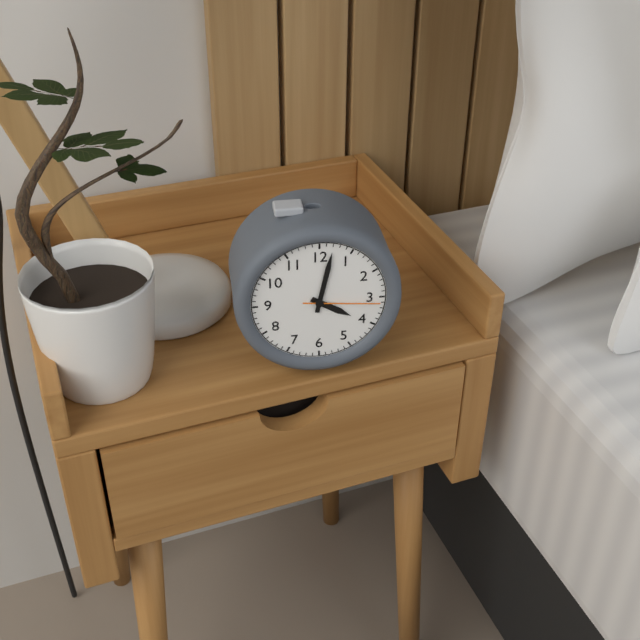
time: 4:02:16
